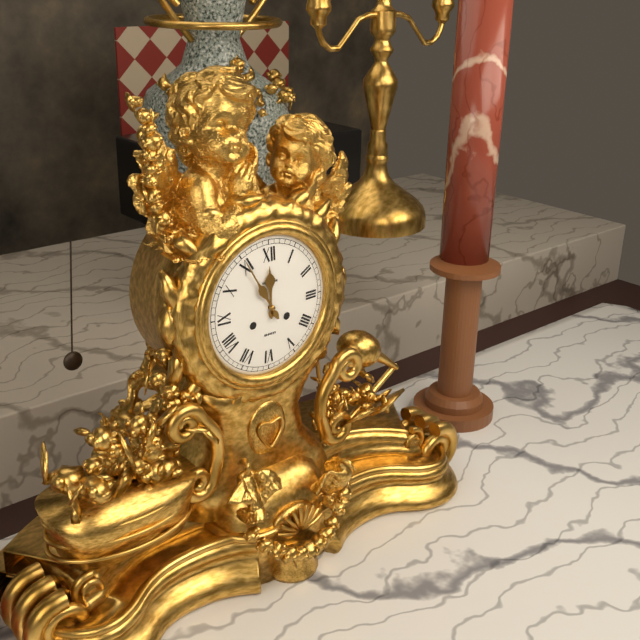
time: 11:55
